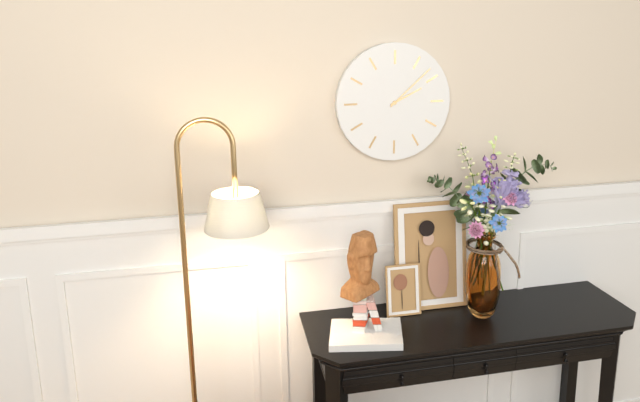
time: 2:08
